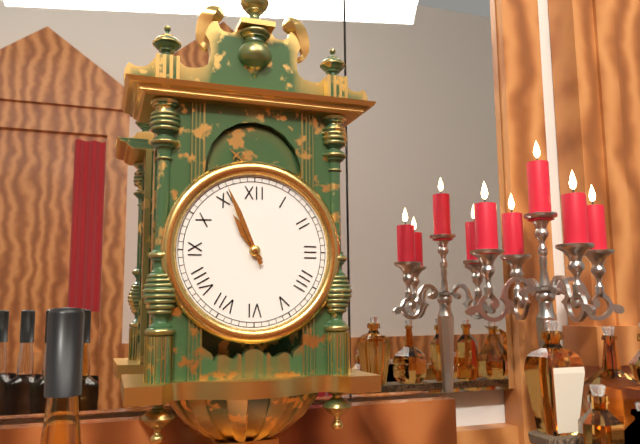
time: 10:56
